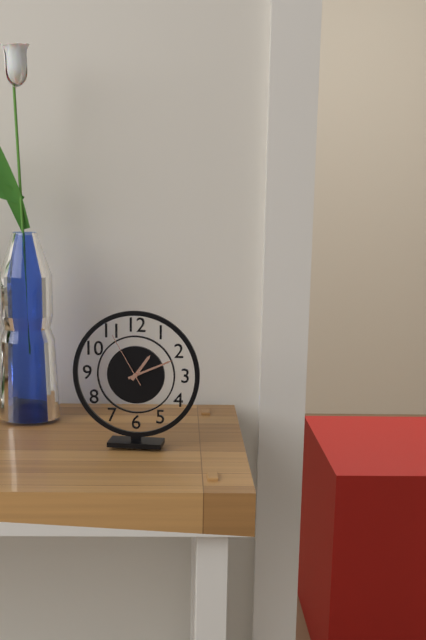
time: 1:11:55
